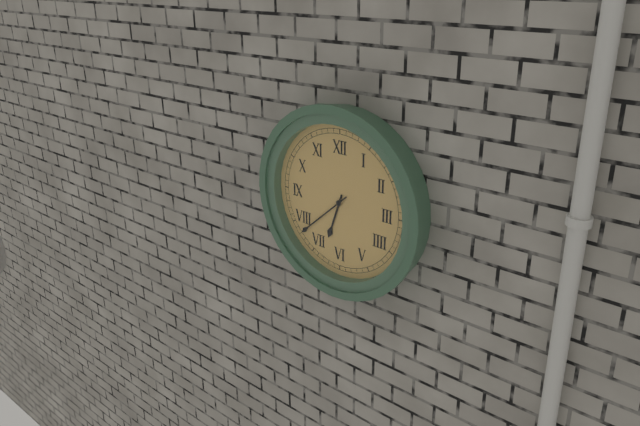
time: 6:38
